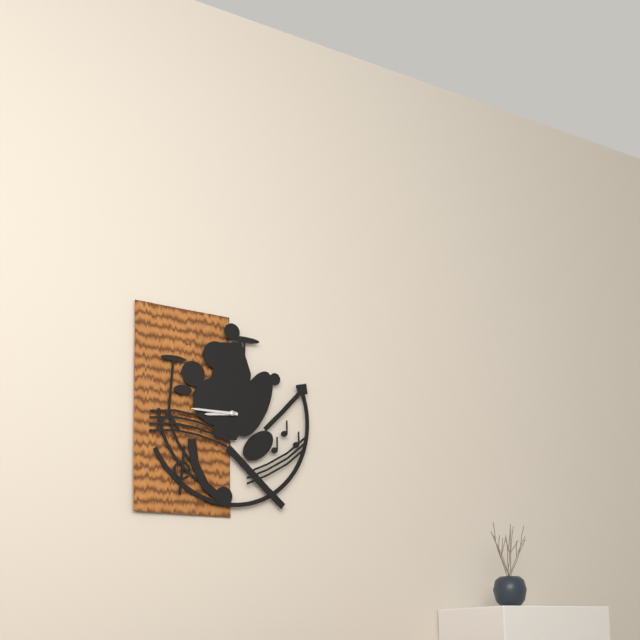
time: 8:45
